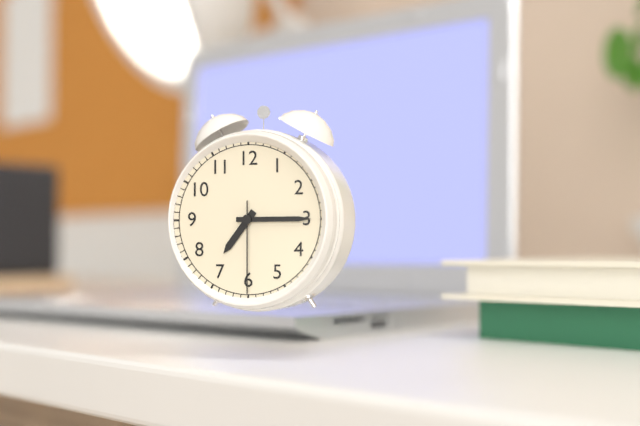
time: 7:15:30
